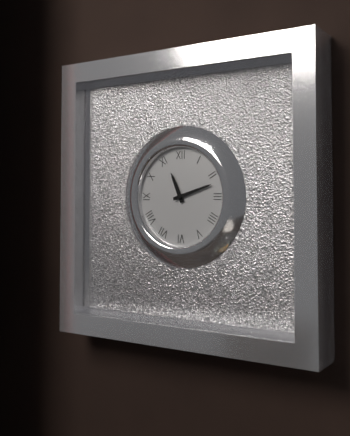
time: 11:12
